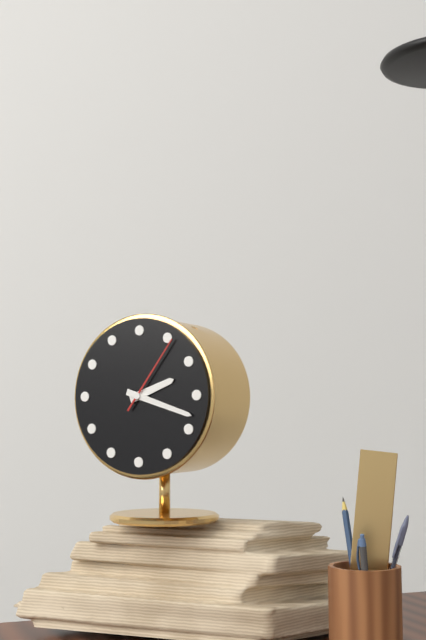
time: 2:18:06
